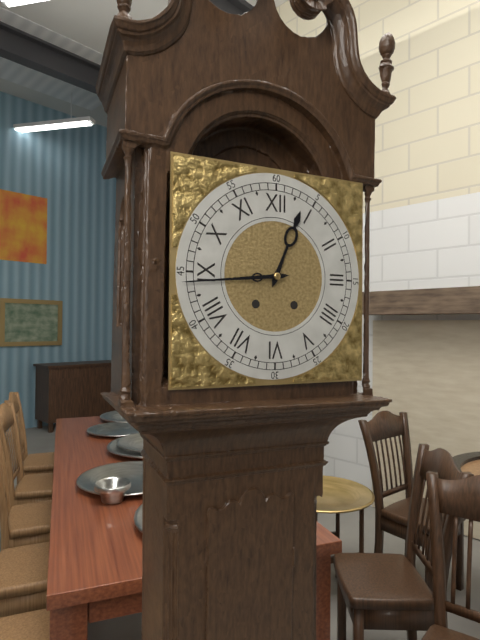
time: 12:44
